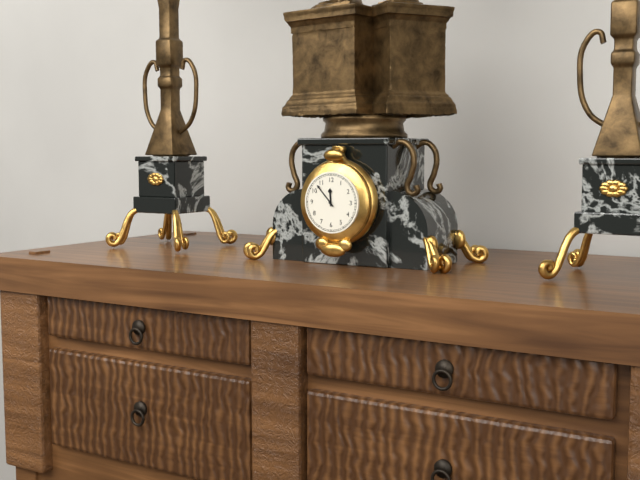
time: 11:53
